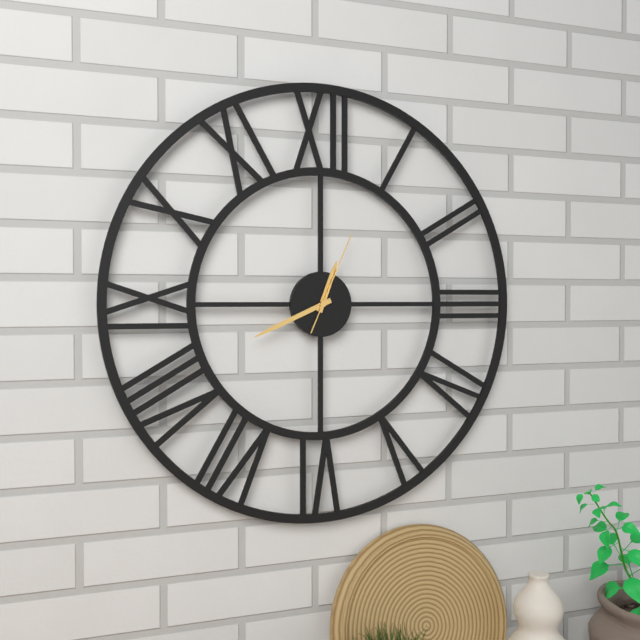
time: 12:41:04
